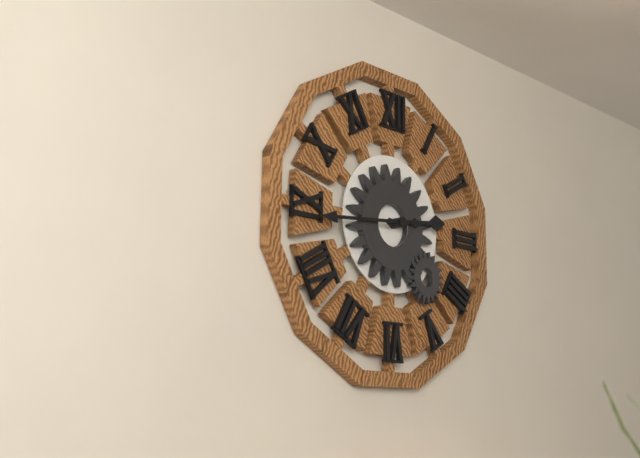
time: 2:44
